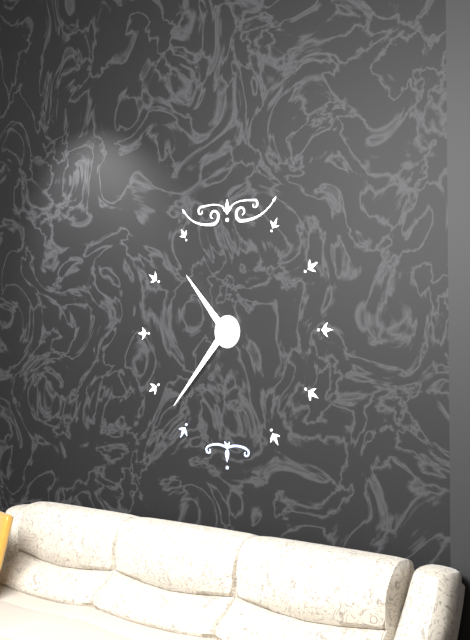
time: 10:37
